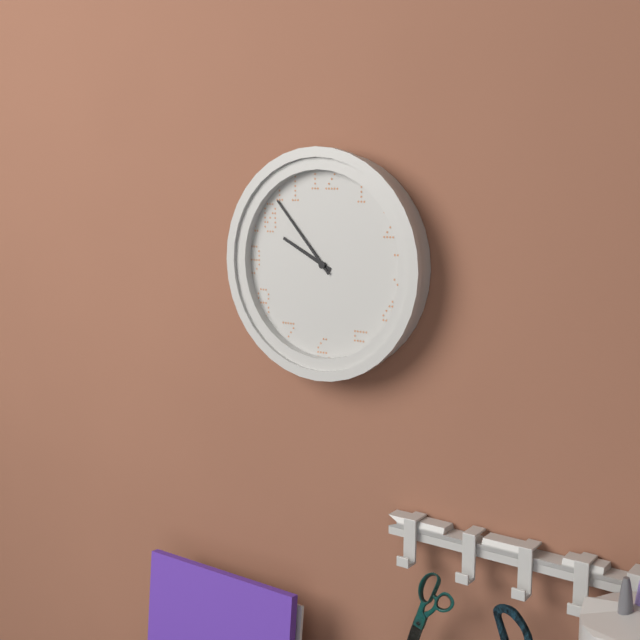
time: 9:53
